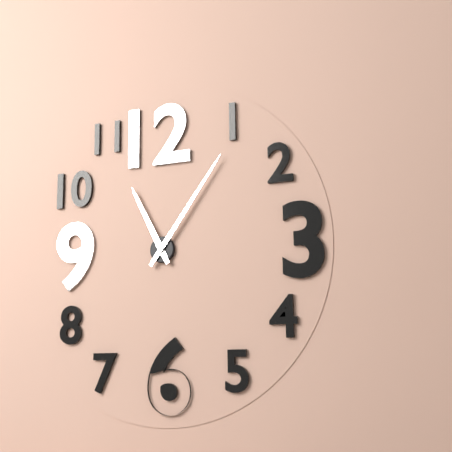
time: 11:06
